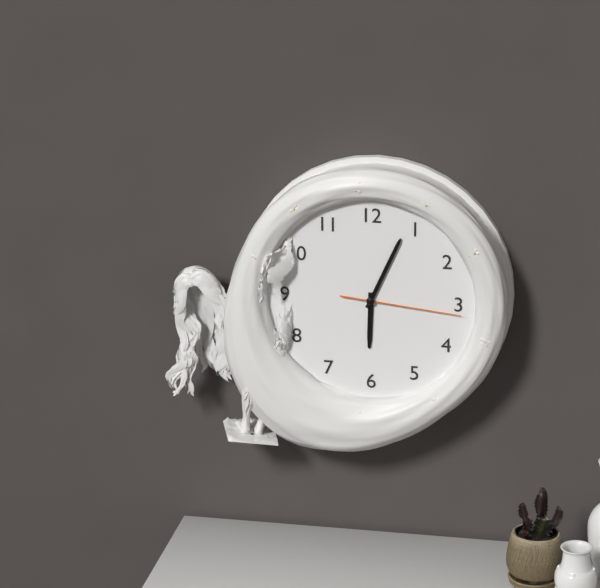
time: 6:04:16
